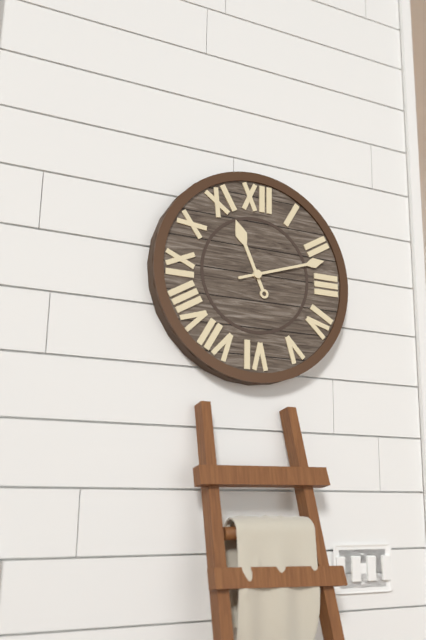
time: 11:12
